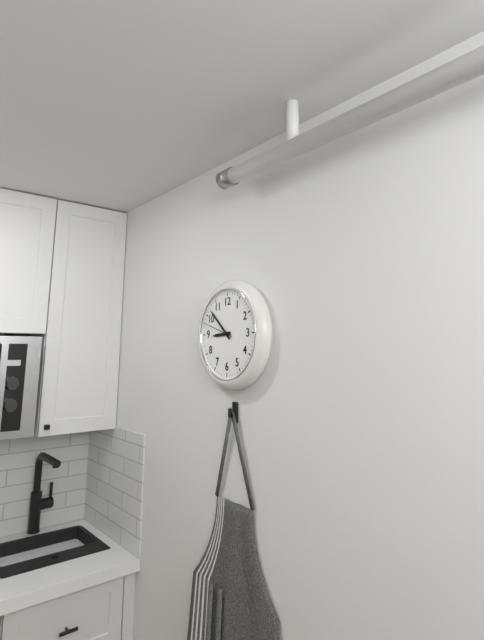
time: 8:52
